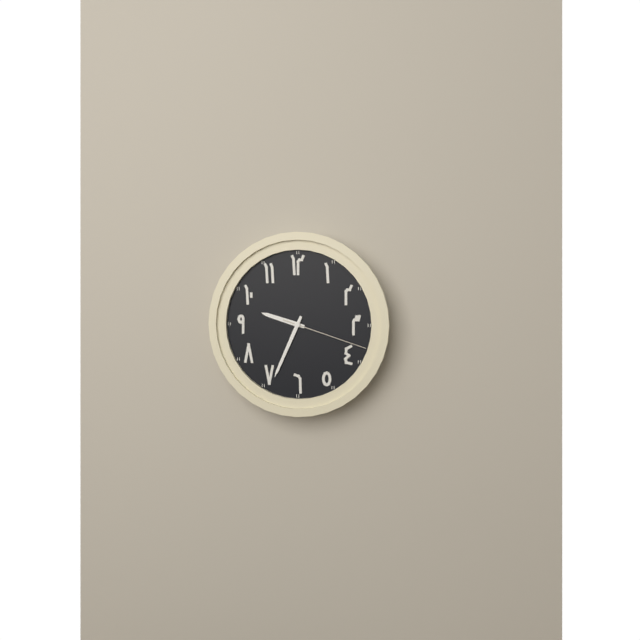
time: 9:34:18
